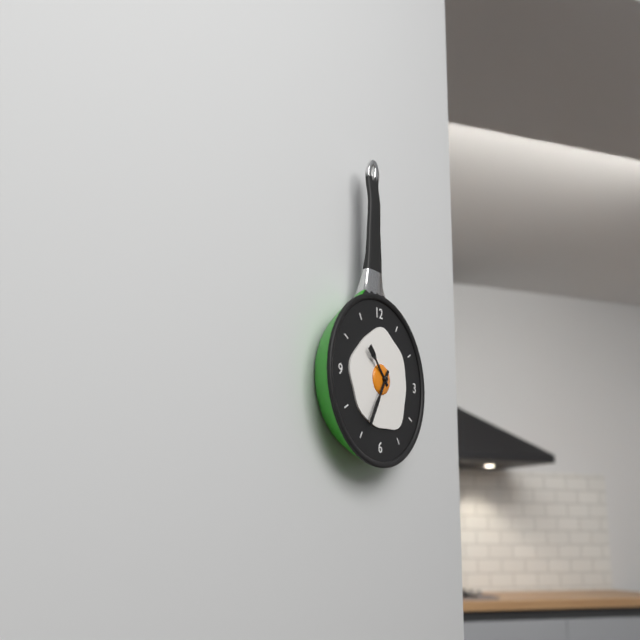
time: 10:35
